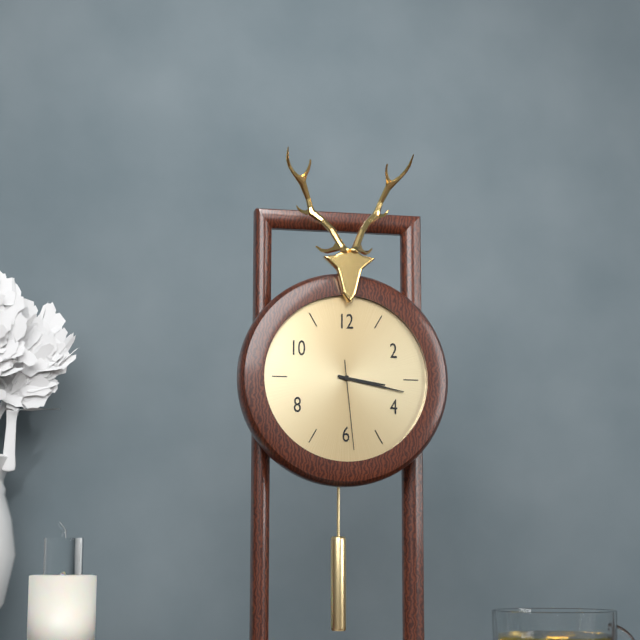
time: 3:17:29
